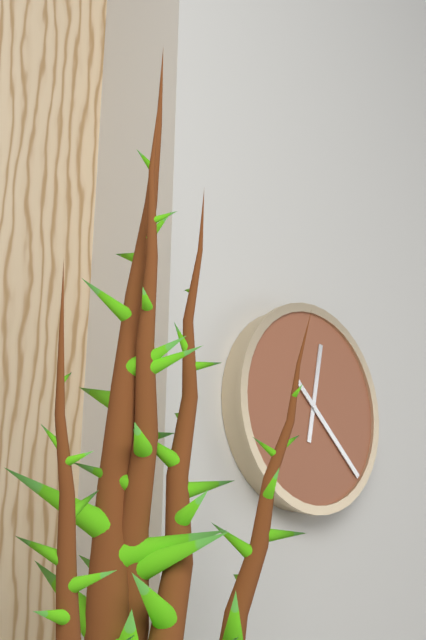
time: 12:22
